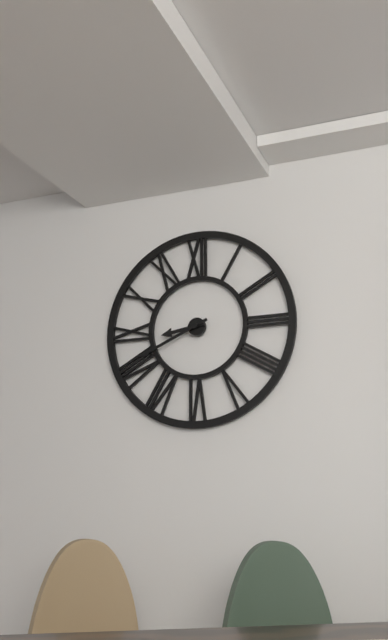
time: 8:41
